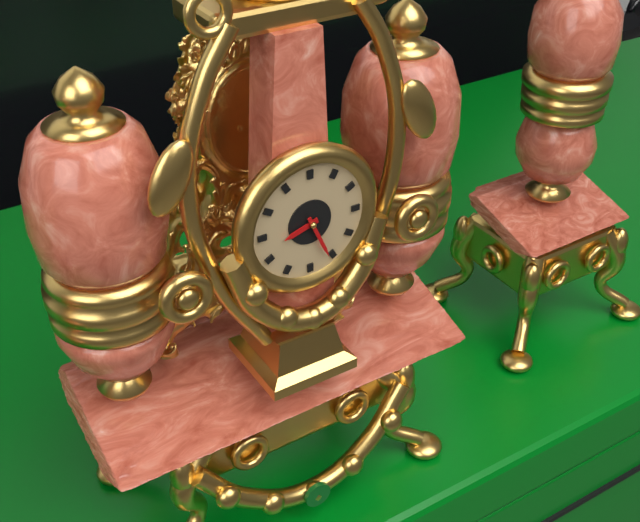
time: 8:26
